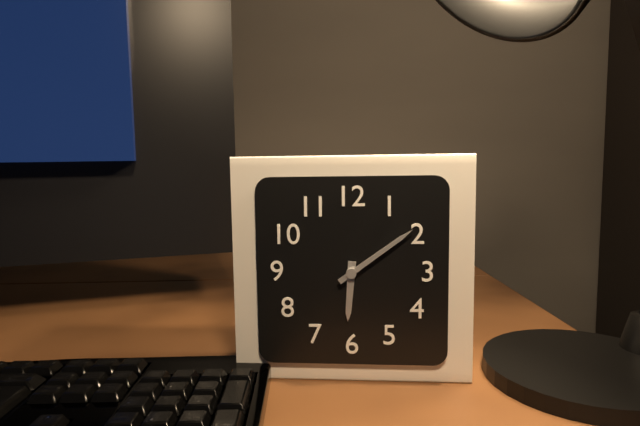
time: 6:09
